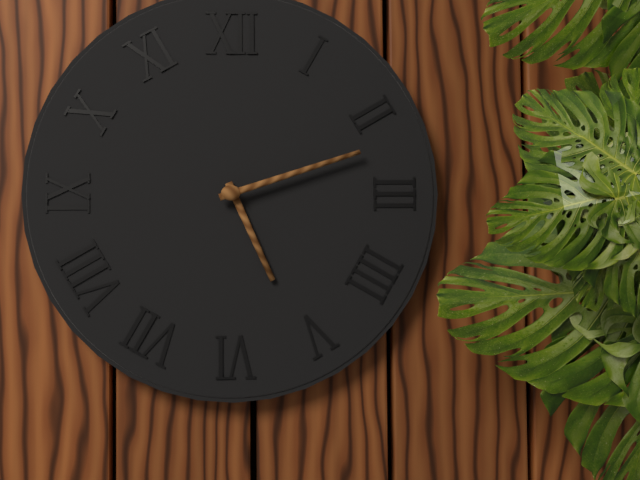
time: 5:12
